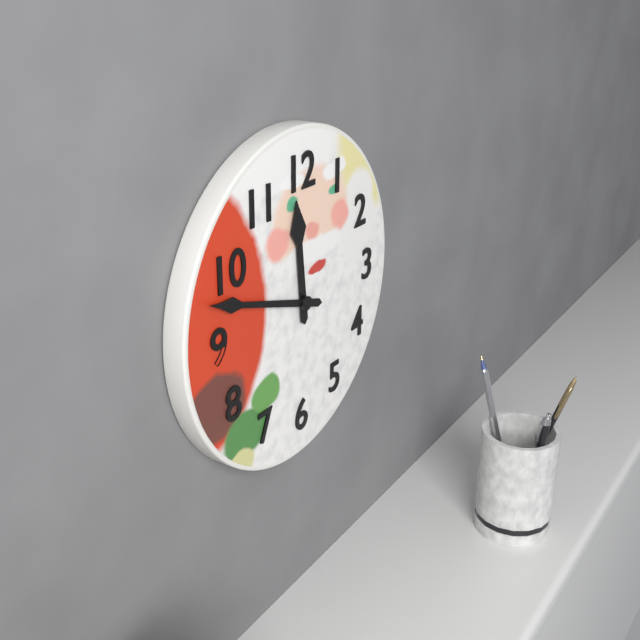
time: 11:48
